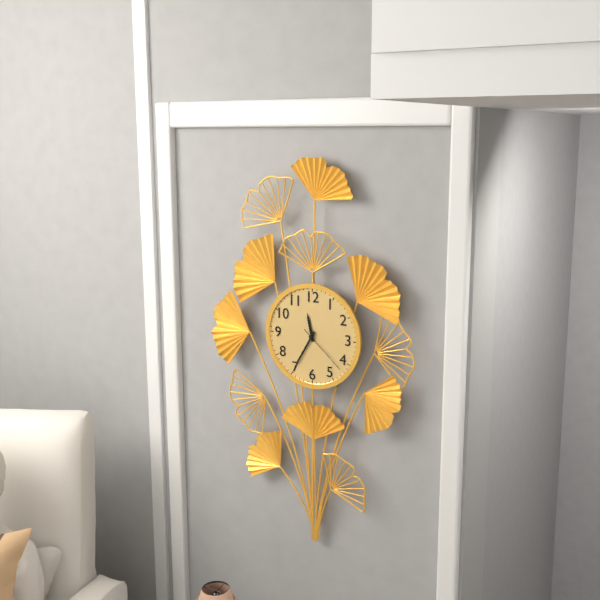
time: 11:35:22
